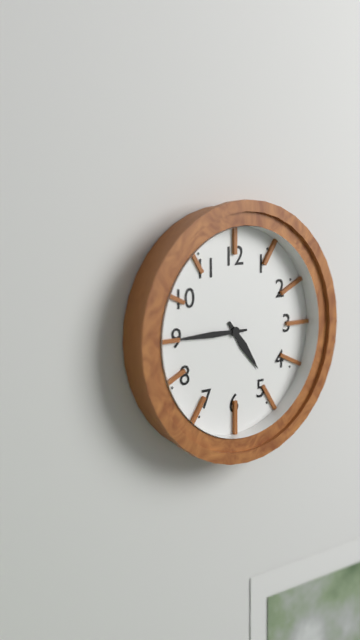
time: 4:45
